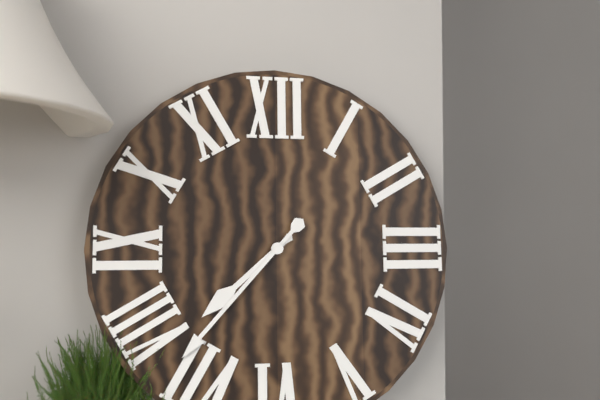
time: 7:37
